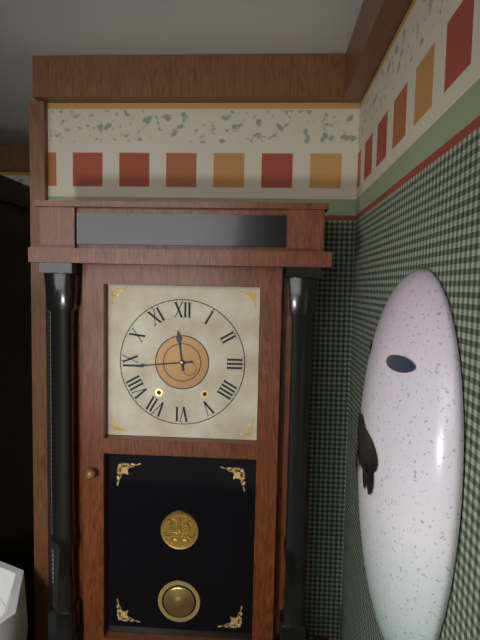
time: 11:44
